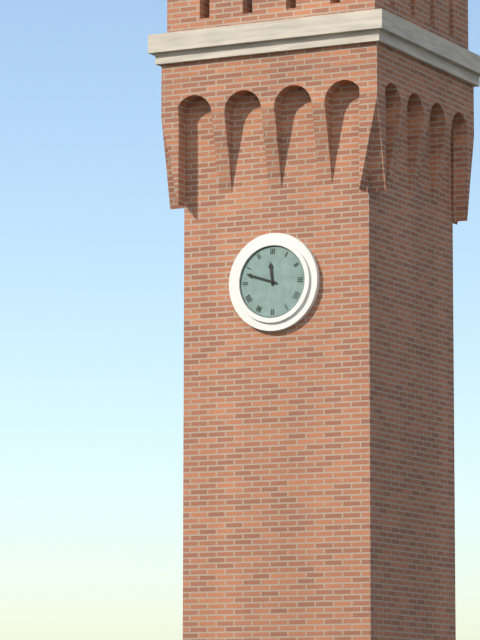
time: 11:48
